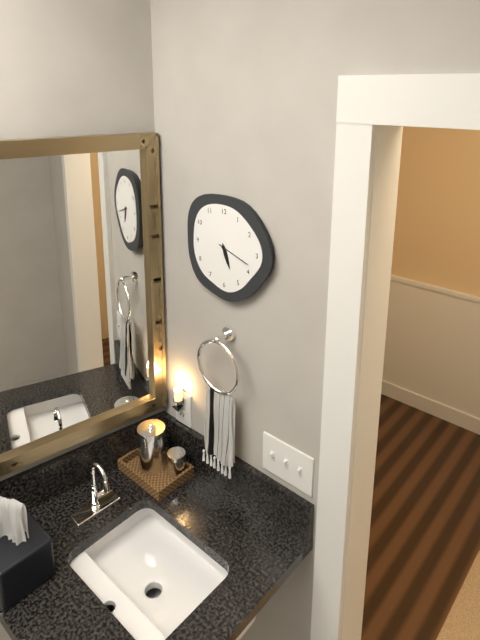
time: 5:18
